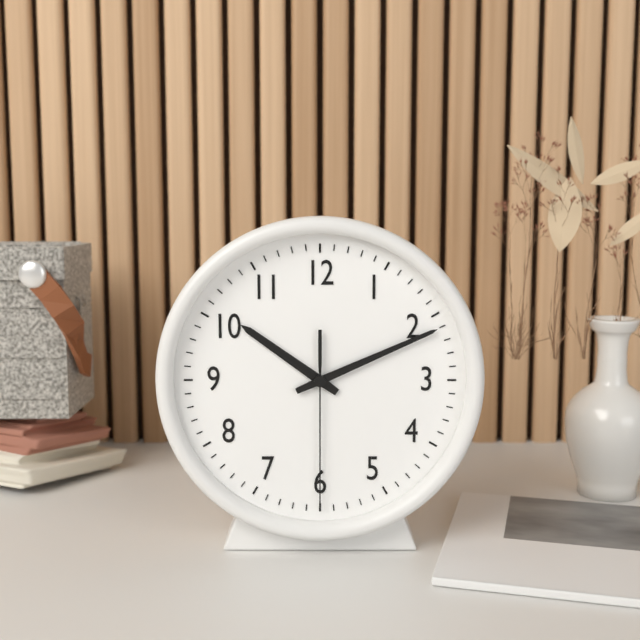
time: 10:11:30
